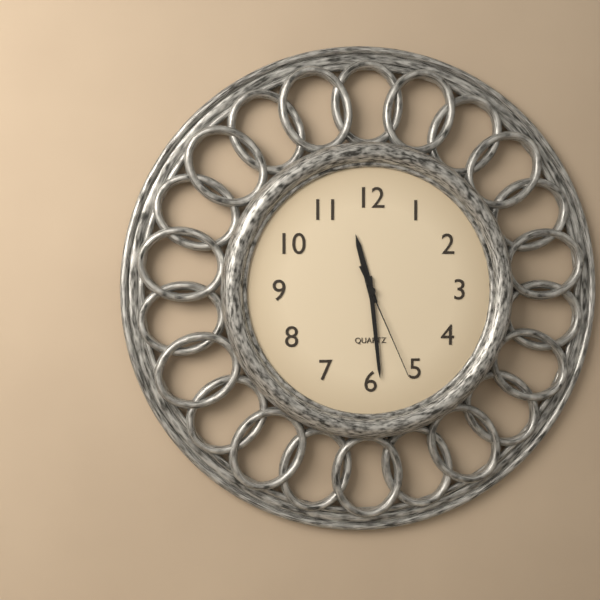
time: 11:29:26
